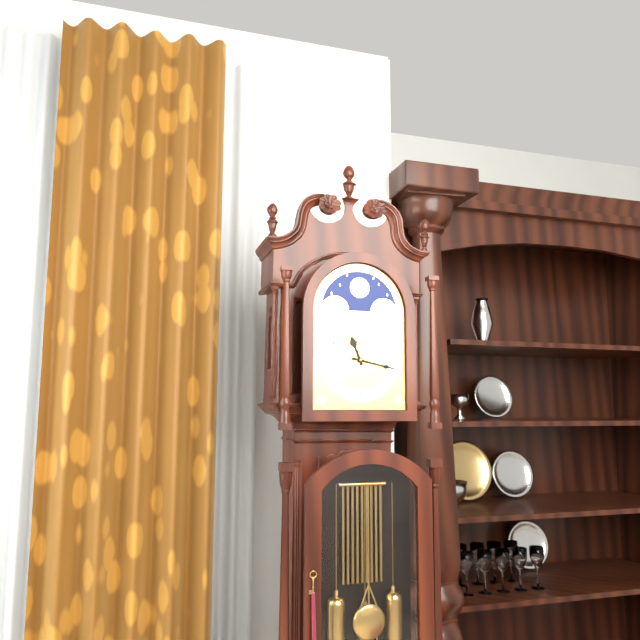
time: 11:17
